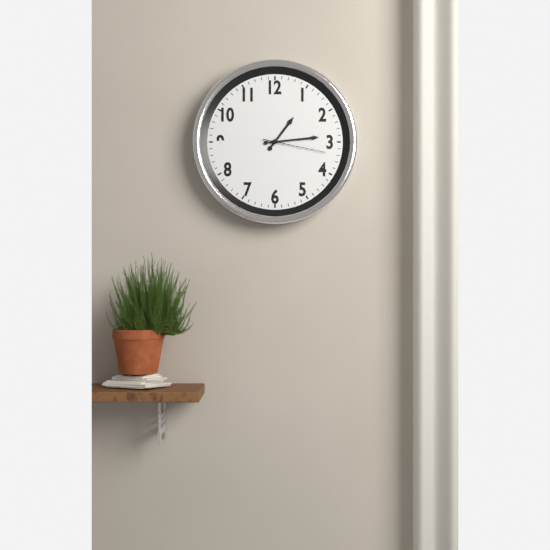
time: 1:14:17
